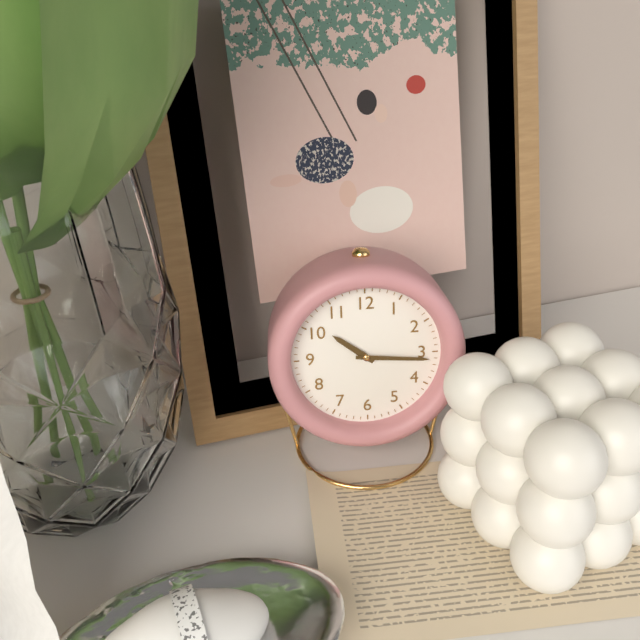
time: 10:16
